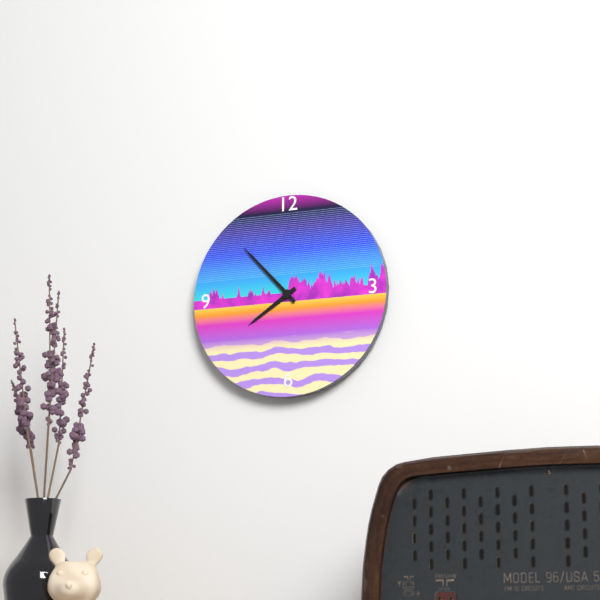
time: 7:53
